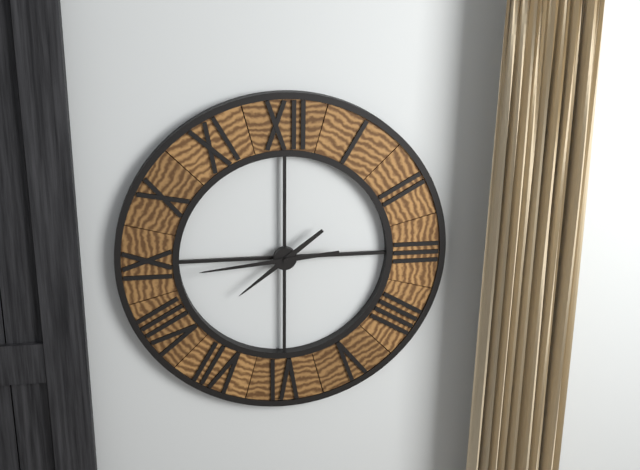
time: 7:44
